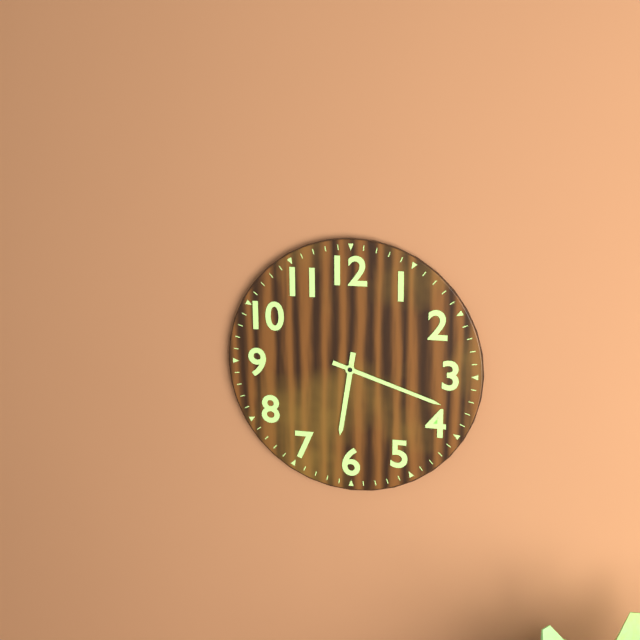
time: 6:18
